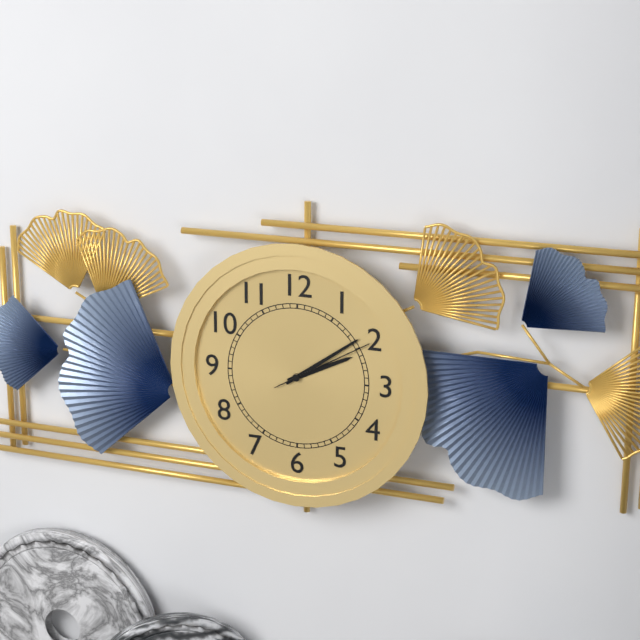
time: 2:09:10
